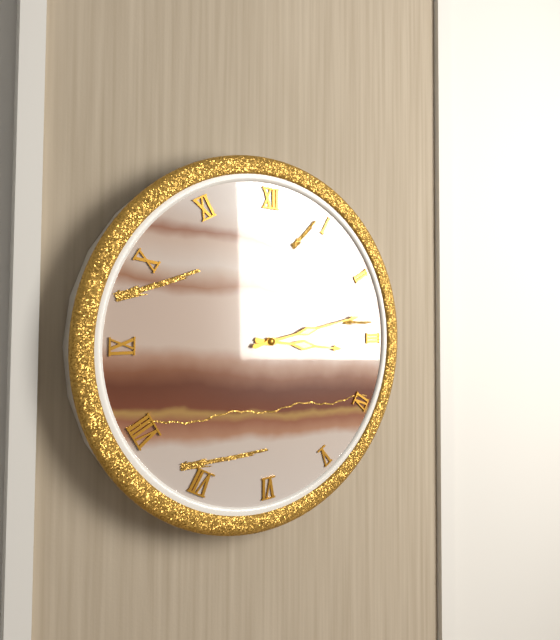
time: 3:13
